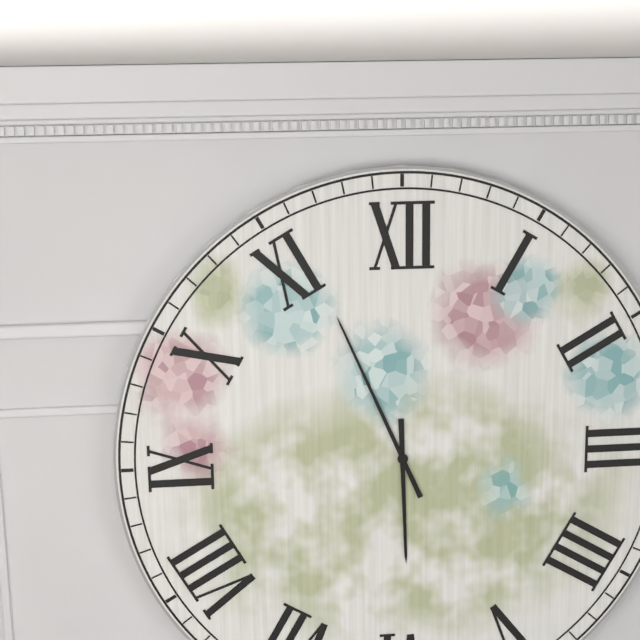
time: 5:56
